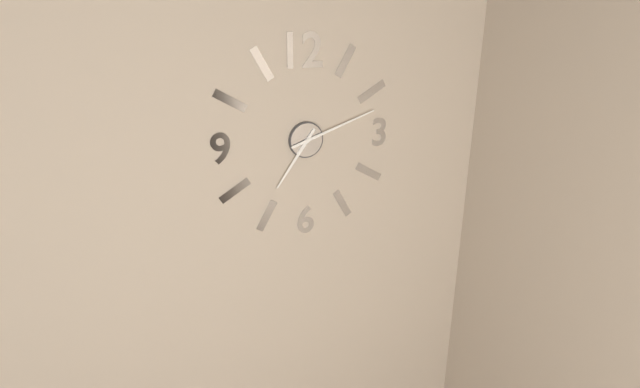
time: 7:12
